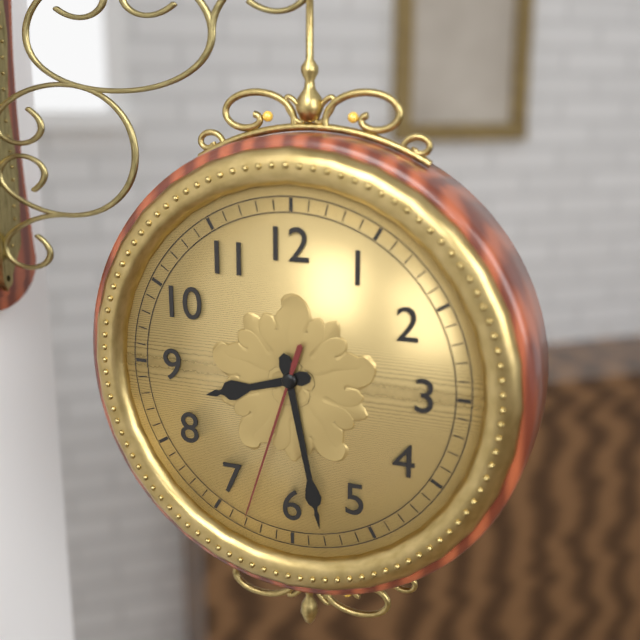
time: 8:28:33
